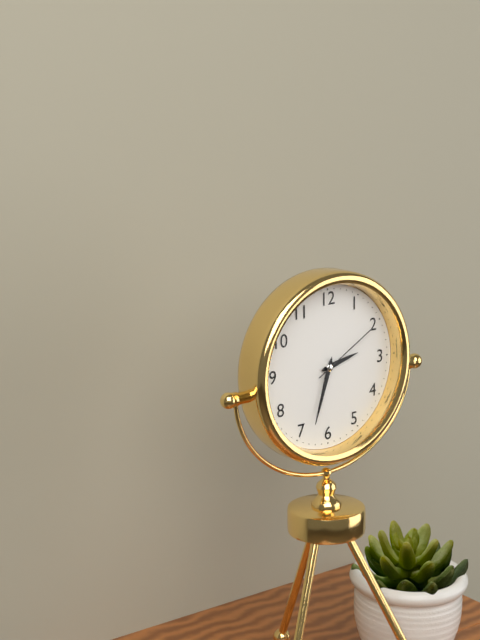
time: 2:33:10
